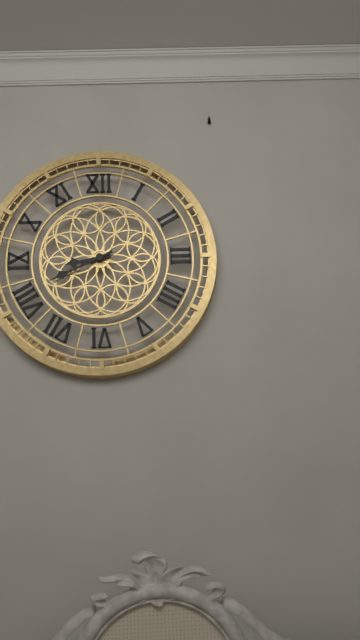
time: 8:41
